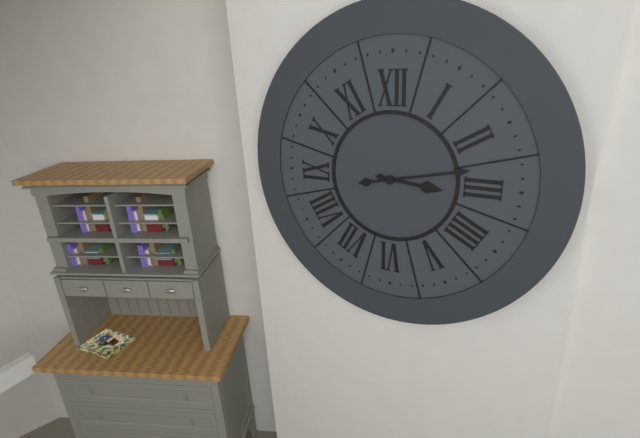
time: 3:13
